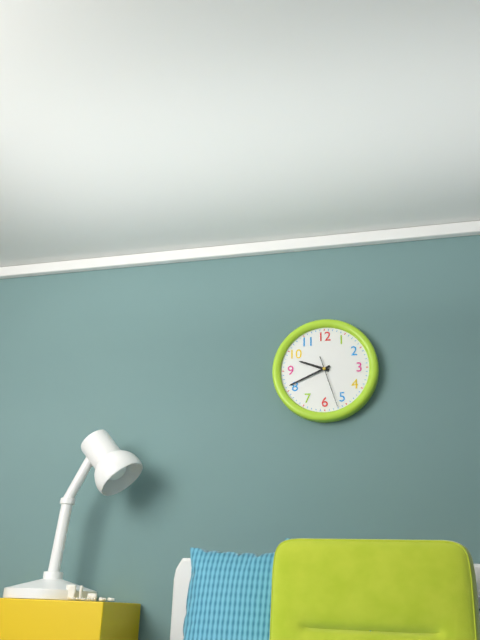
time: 9:41:27
